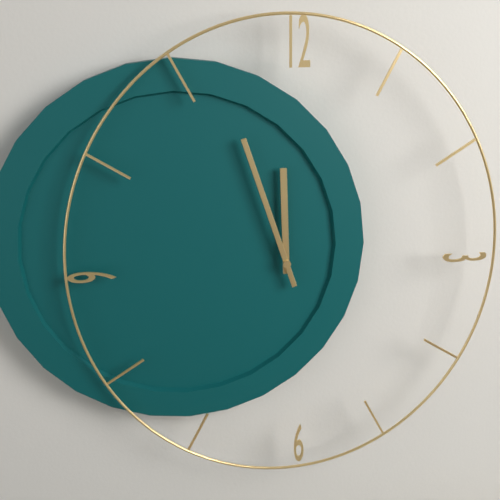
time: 11:57
